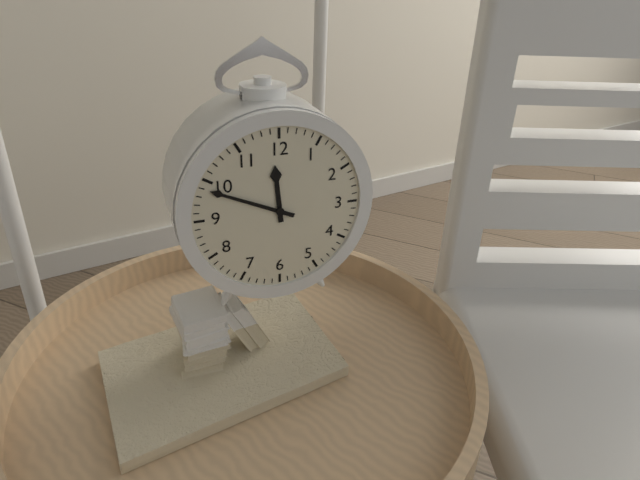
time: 11:49
